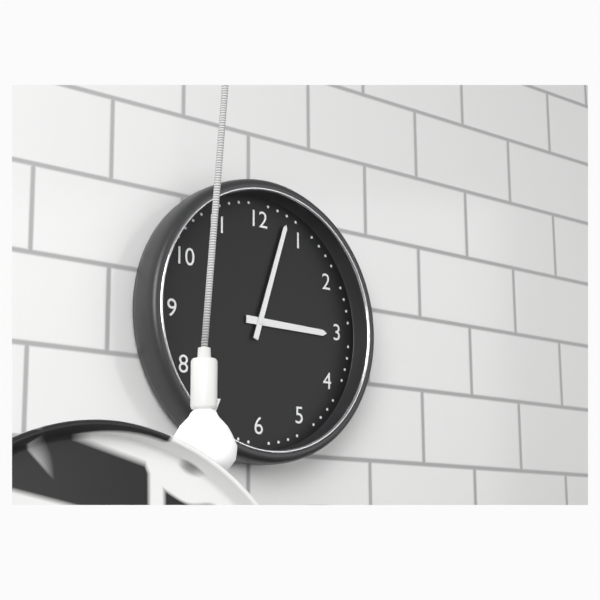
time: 3:03
